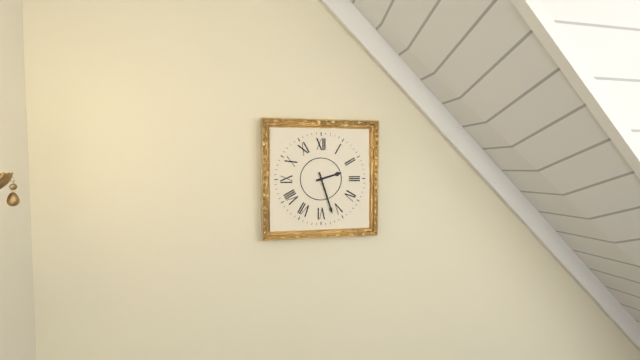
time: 2:27
